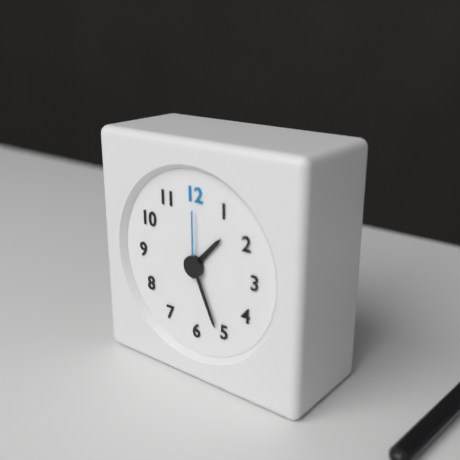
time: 1:26:00
